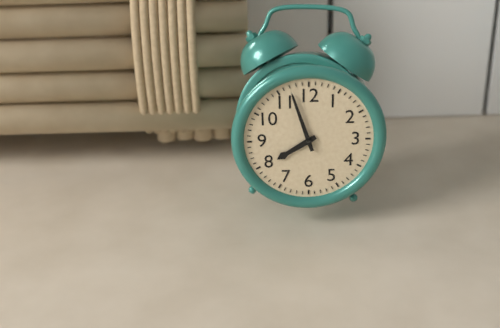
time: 7:57
